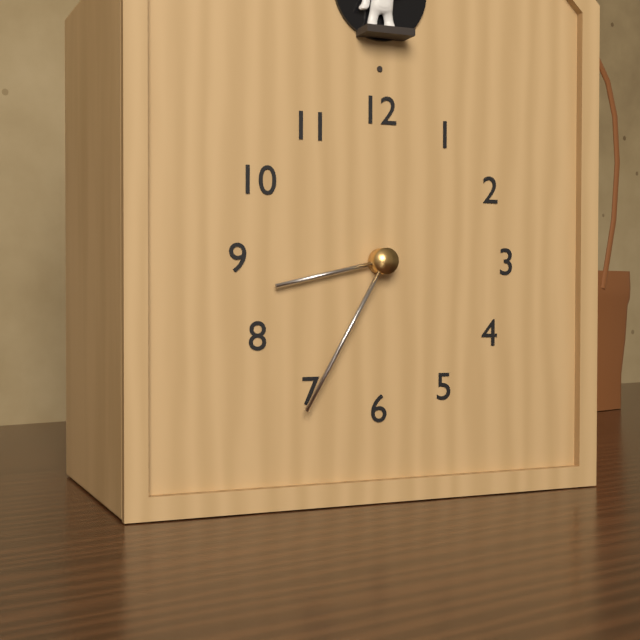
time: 8:35
